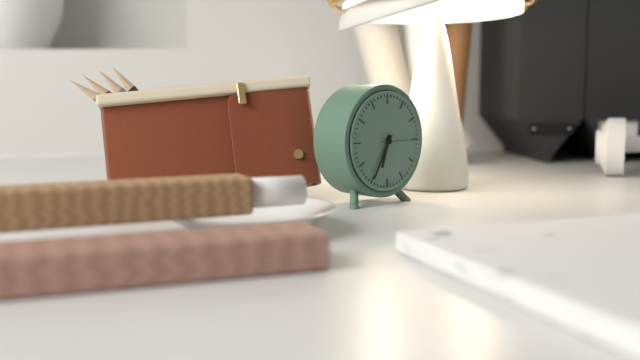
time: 6:35
